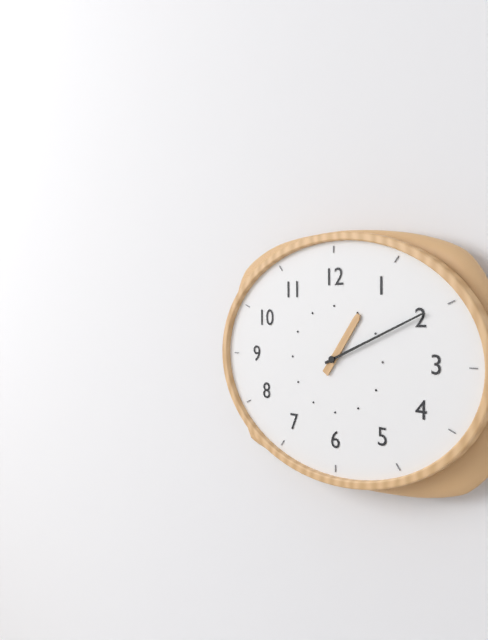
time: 1:11
